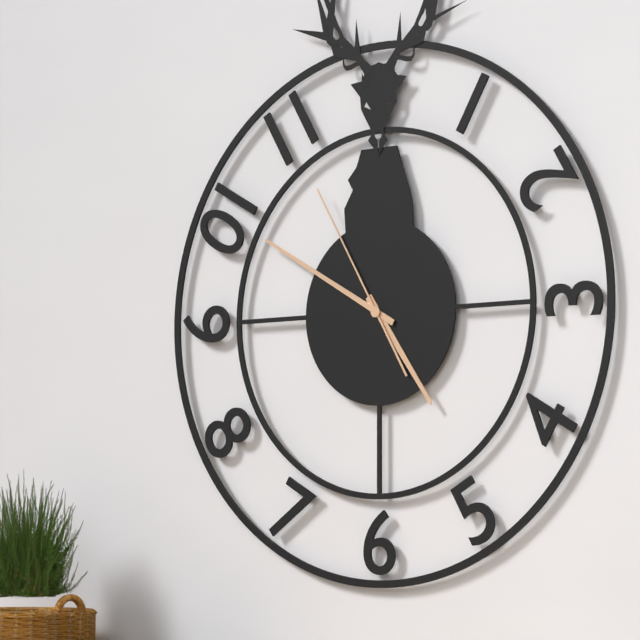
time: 4:50:55
